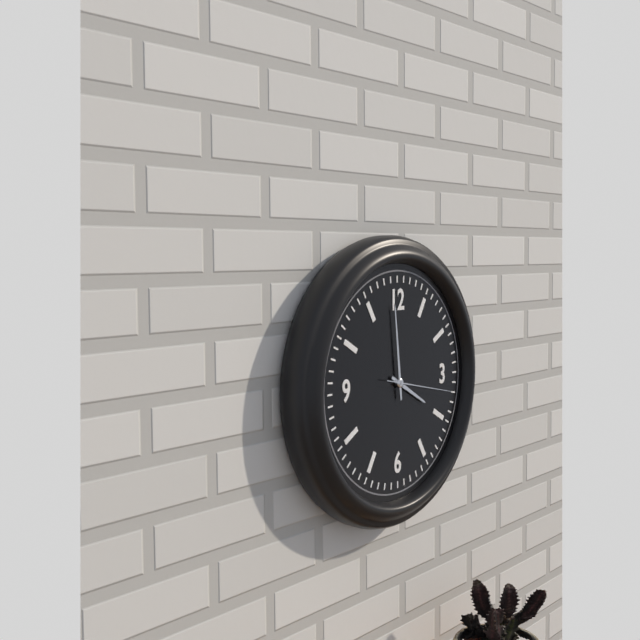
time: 3:59:17
